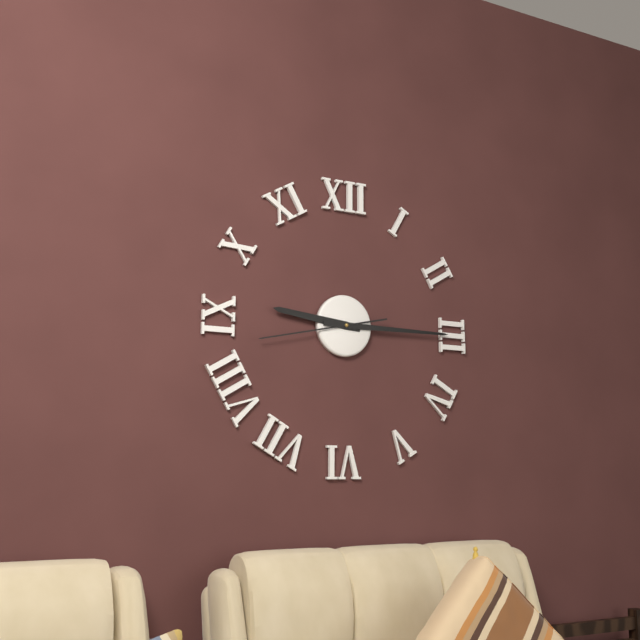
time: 9:15:43
